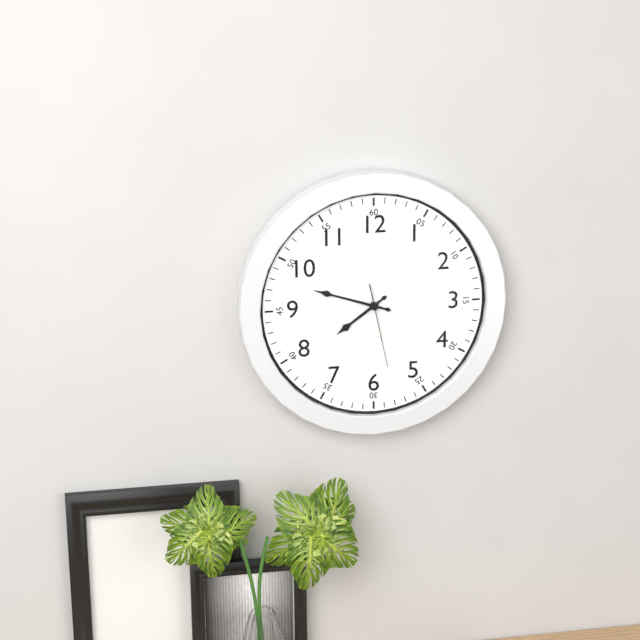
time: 7:48:28
